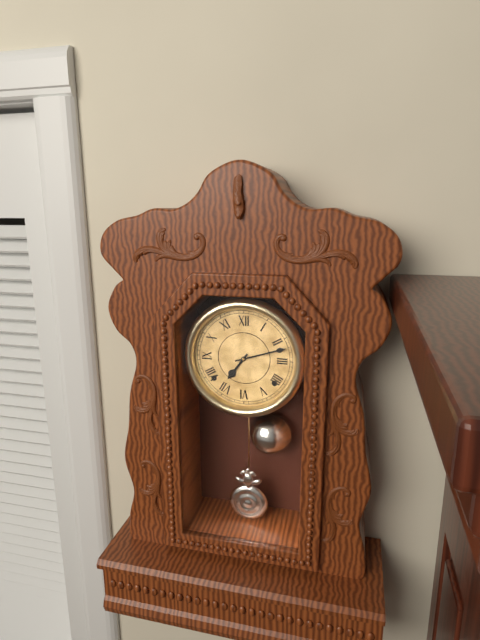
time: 7:12
